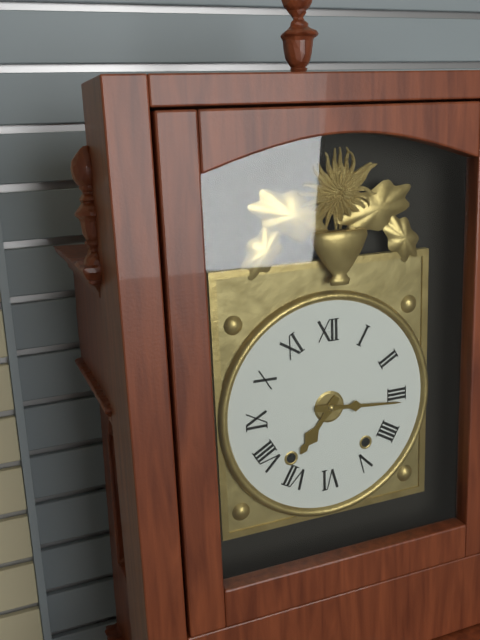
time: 7:16
